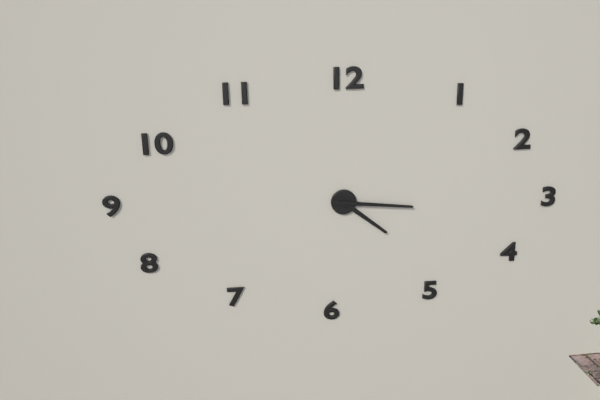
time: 4:16
